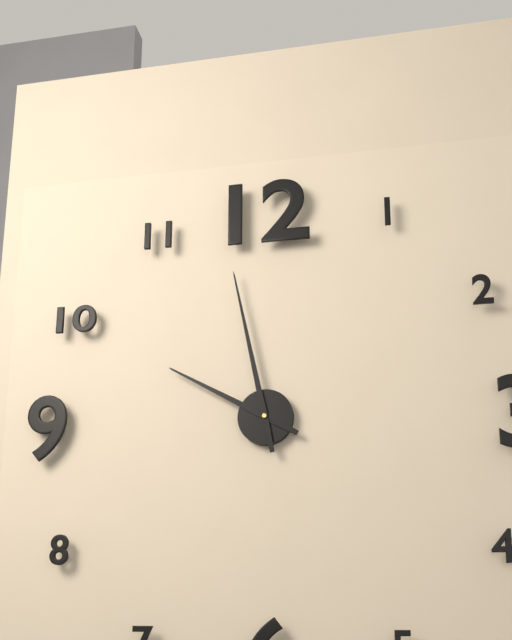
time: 9:58
